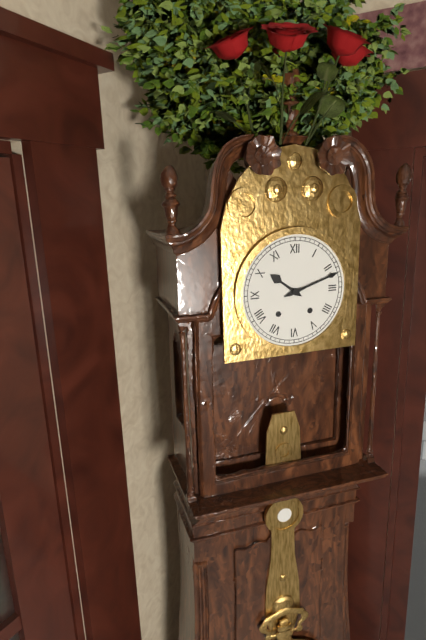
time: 10:12
